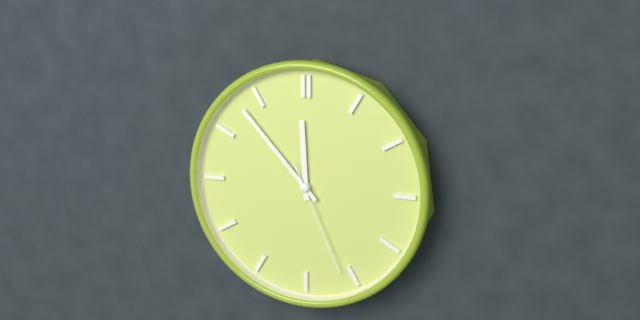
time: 11:53:26
